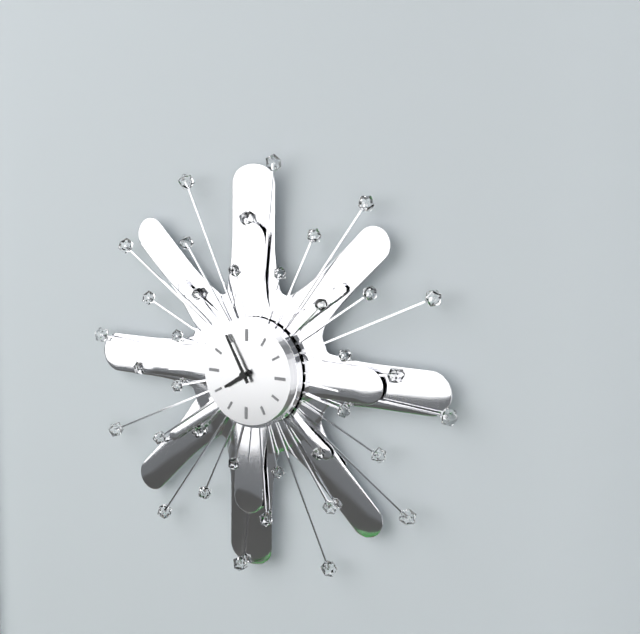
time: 7:55
